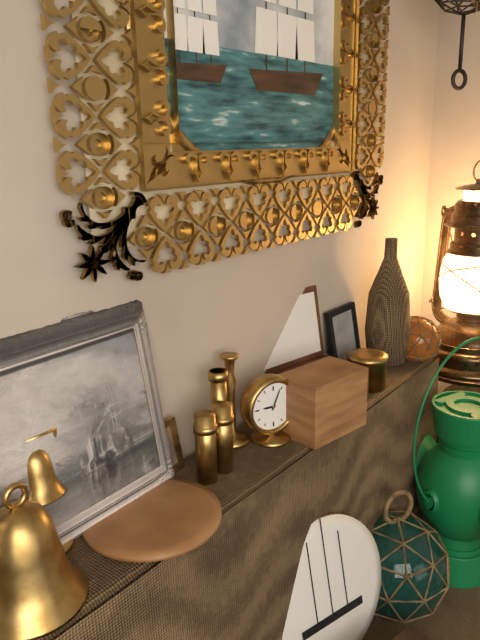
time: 9:04
